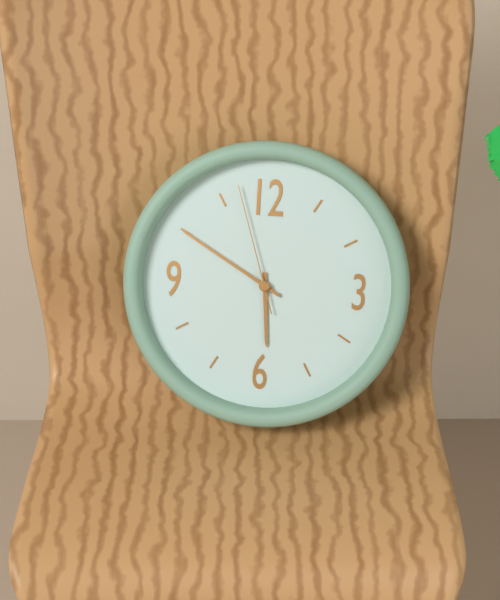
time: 5:50:57
